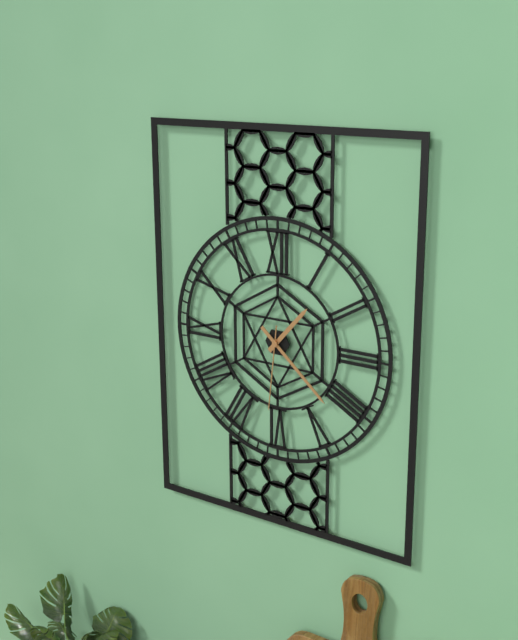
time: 1:22:31
